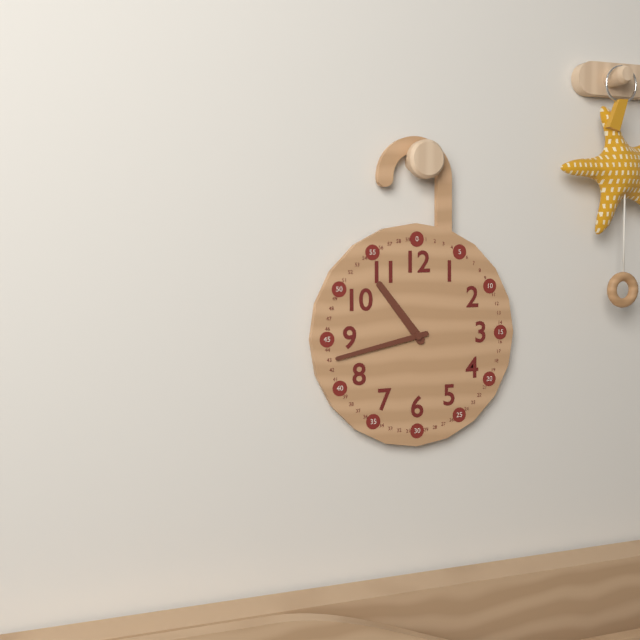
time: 10:43
